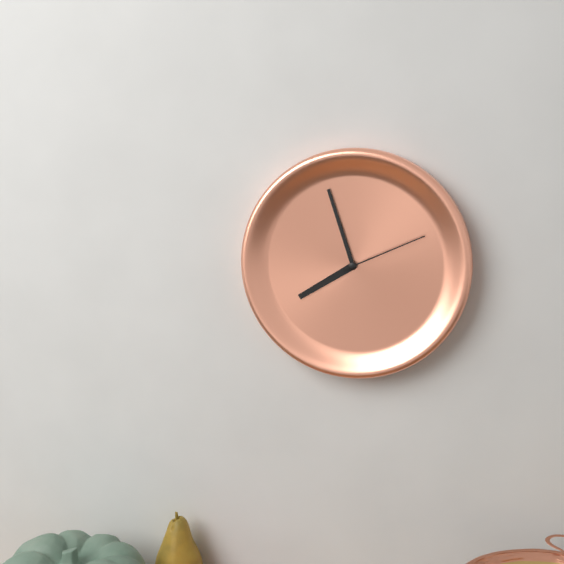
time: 7:57:11
